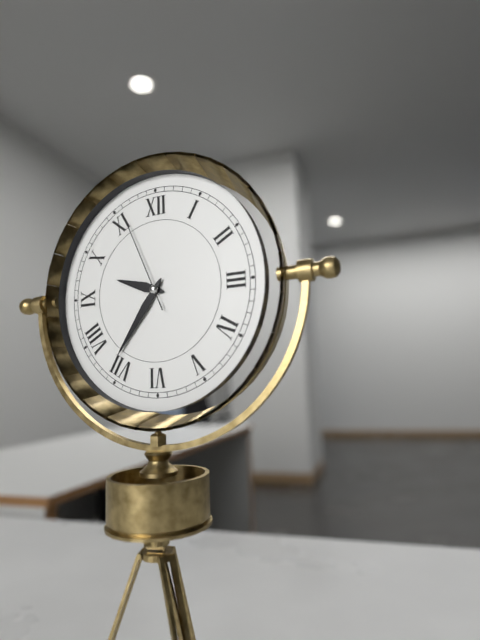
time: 9:36:56
